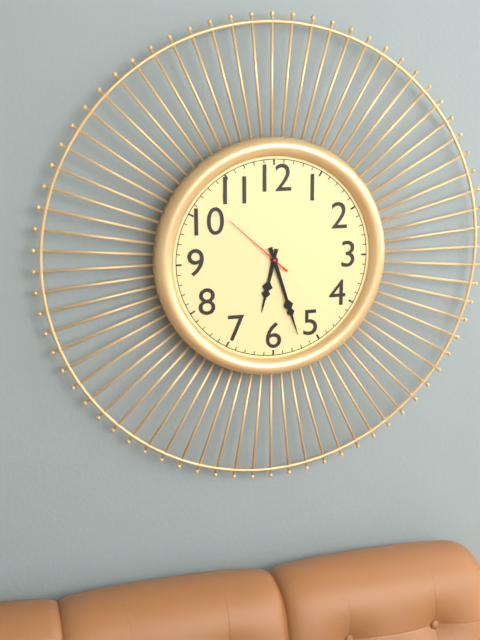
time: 6:27:52
